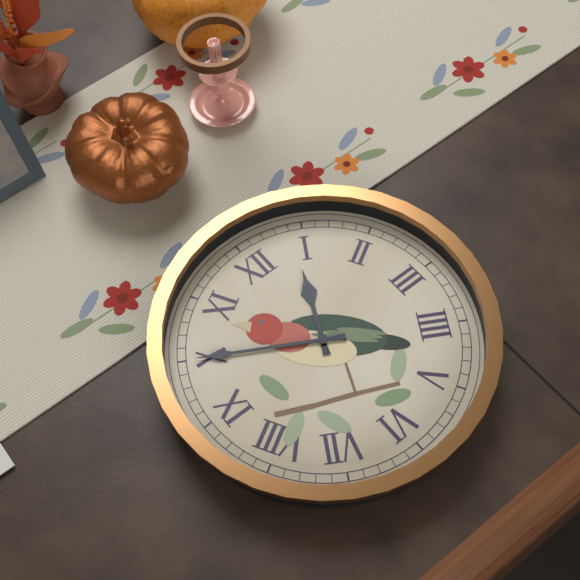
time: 12:50
